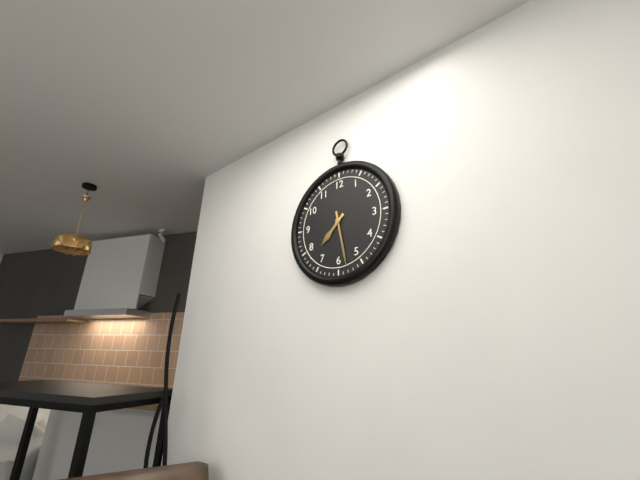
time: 7:28
